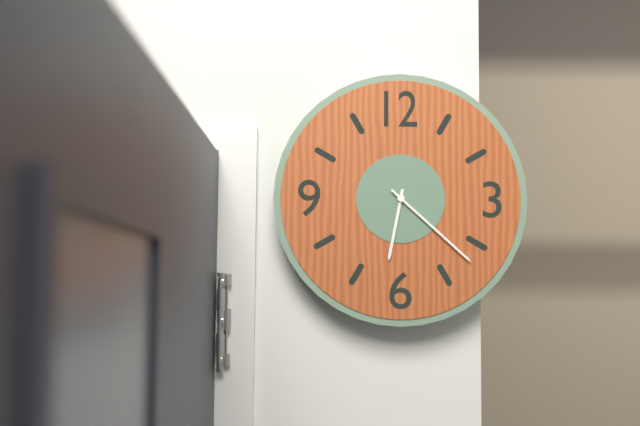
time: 6:22
